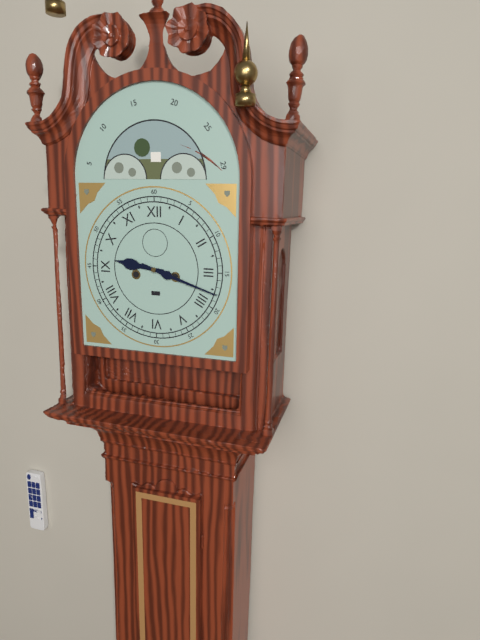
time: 9:18
